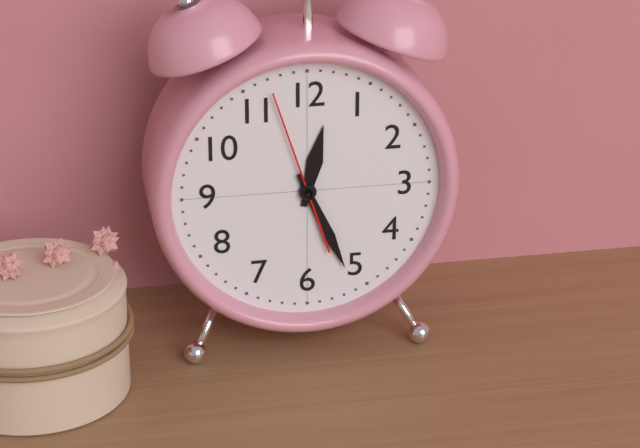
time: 12:26:57
